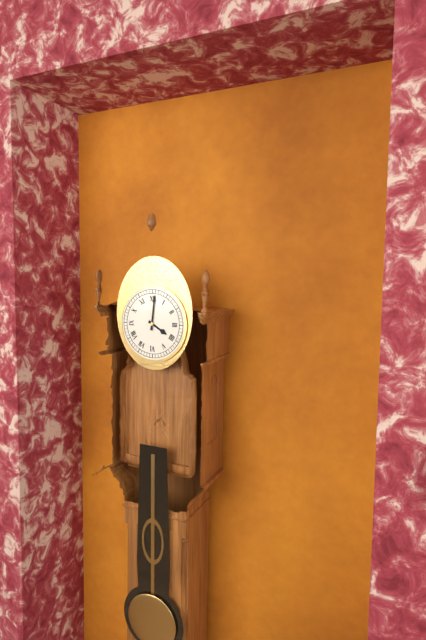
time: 4:01
